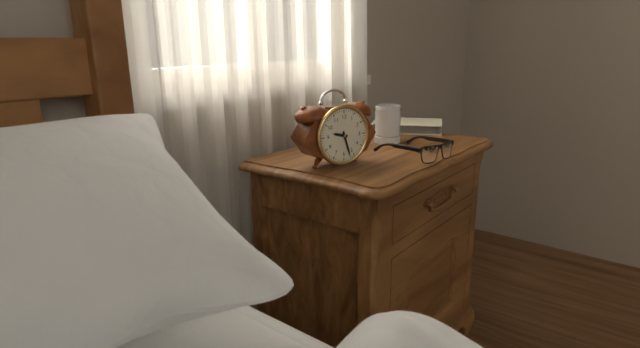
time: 9:27
